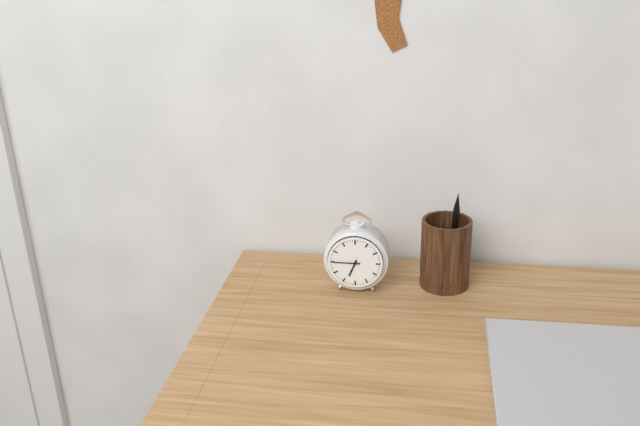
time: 6:45
